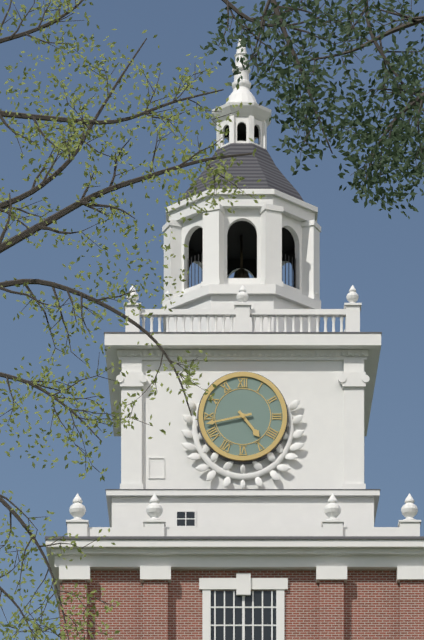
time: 4:43
